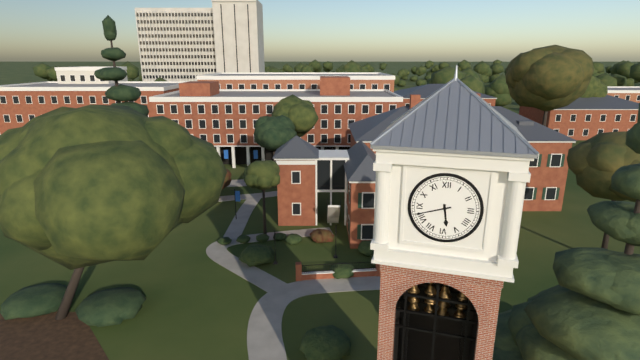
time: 5:42
